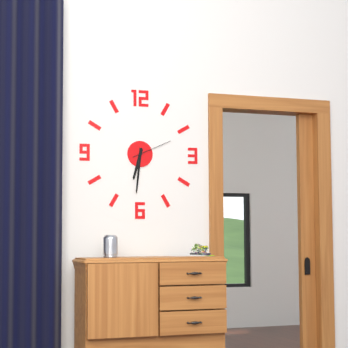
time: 6:31
